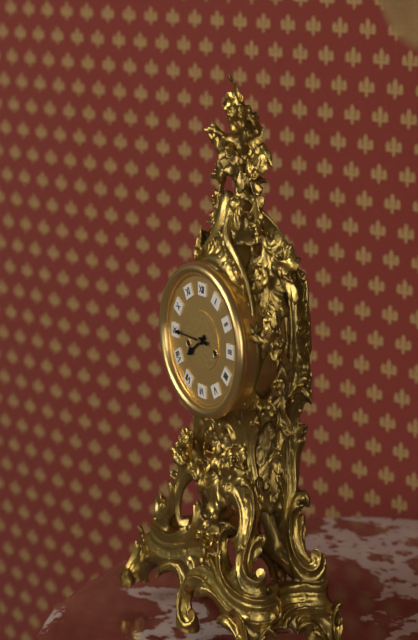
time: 7:45
